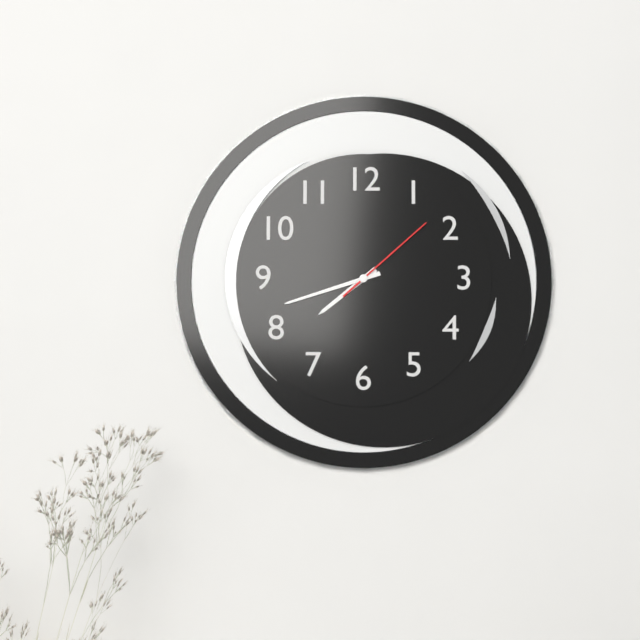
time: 7:42:08
